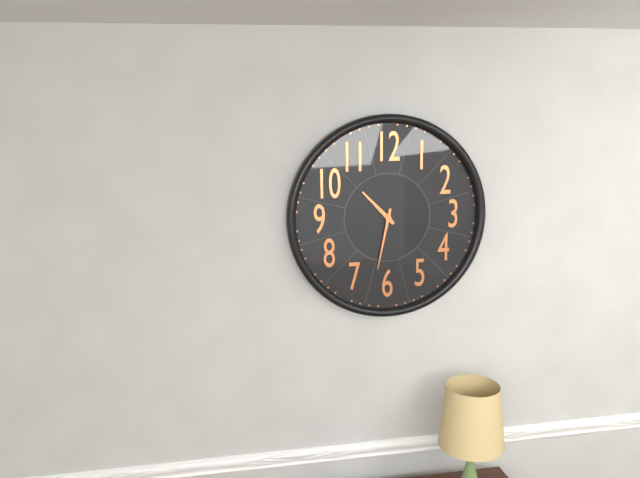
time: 10:32
